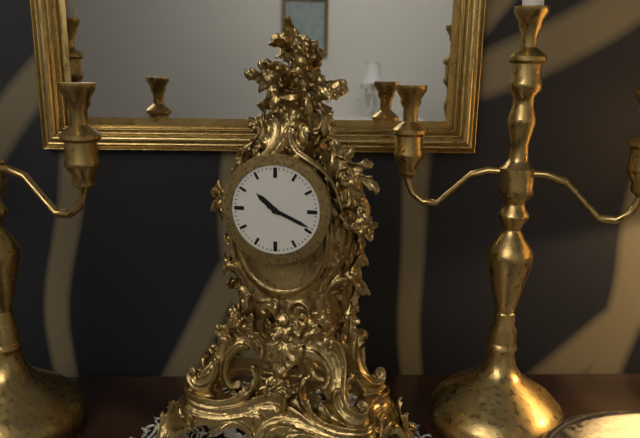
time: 10:19
